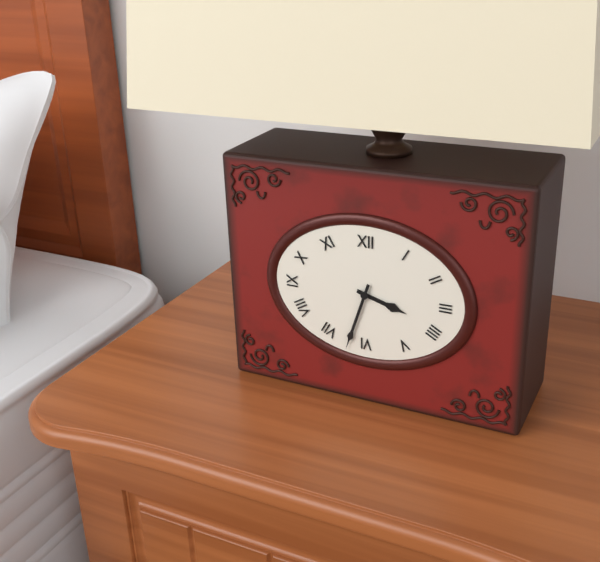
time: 3:33
